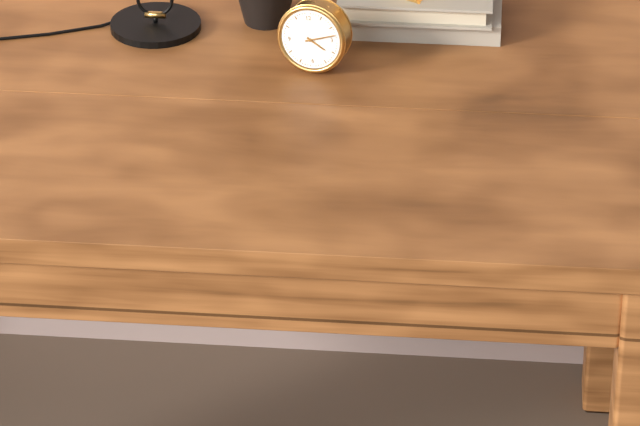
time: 4:13
